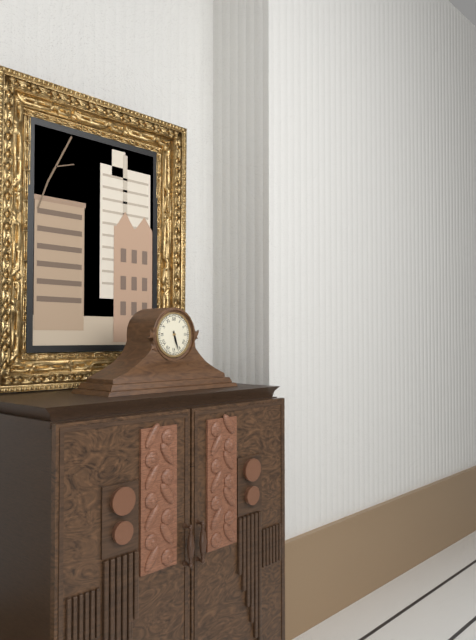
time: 5:27
